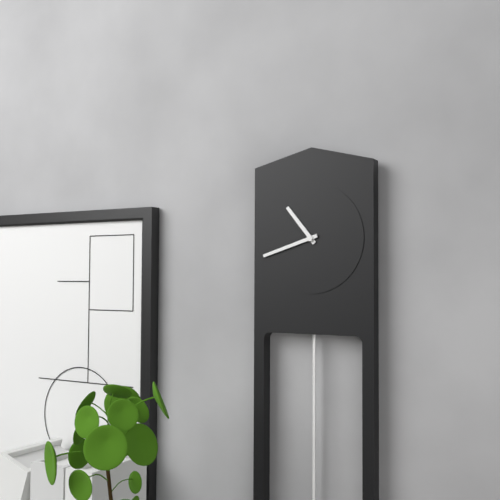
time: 10:42
